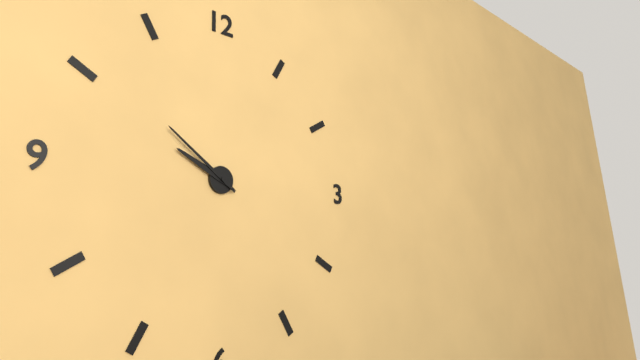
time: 9:51
